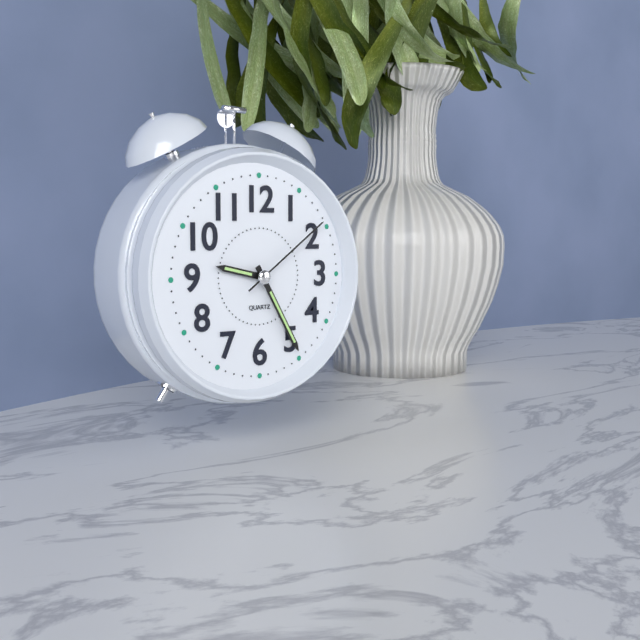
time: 9:25:09
